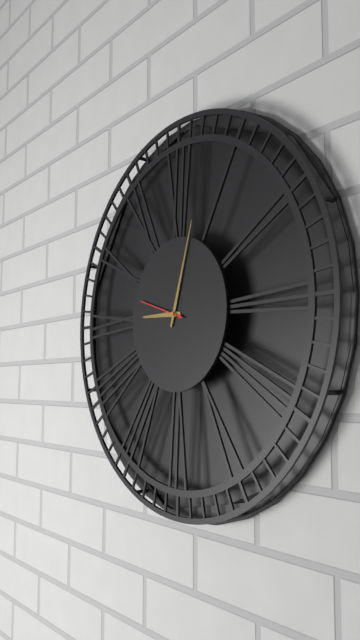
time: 9:03:48
